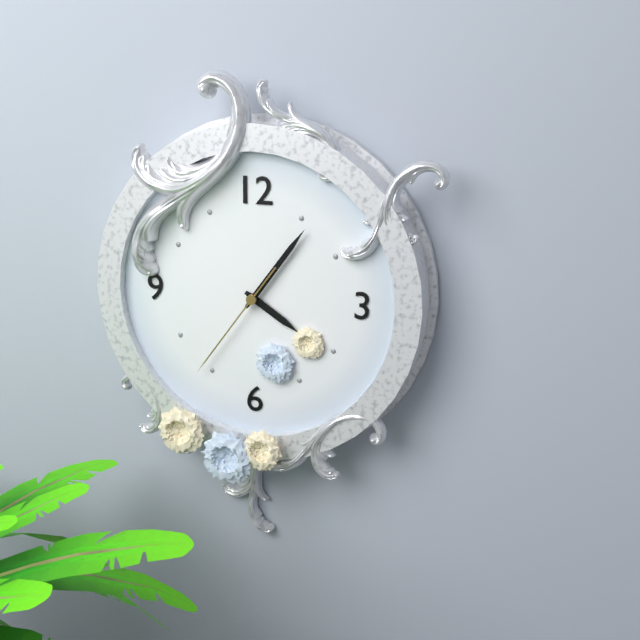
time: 4:06:36
